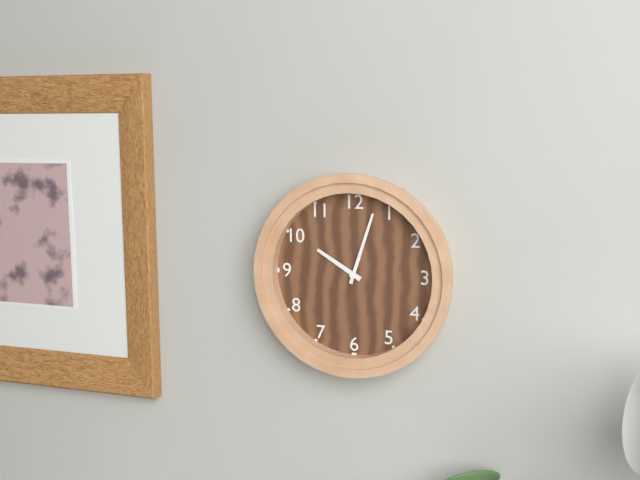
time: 10:03
